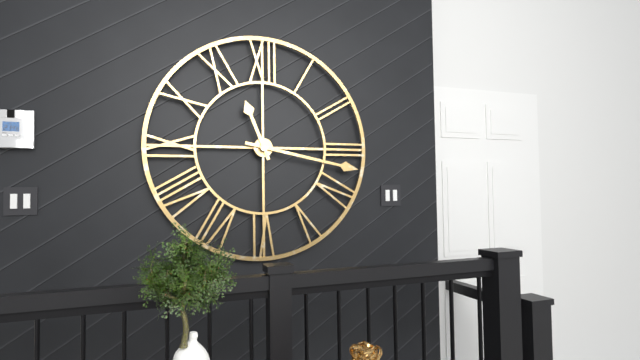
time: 11:17
